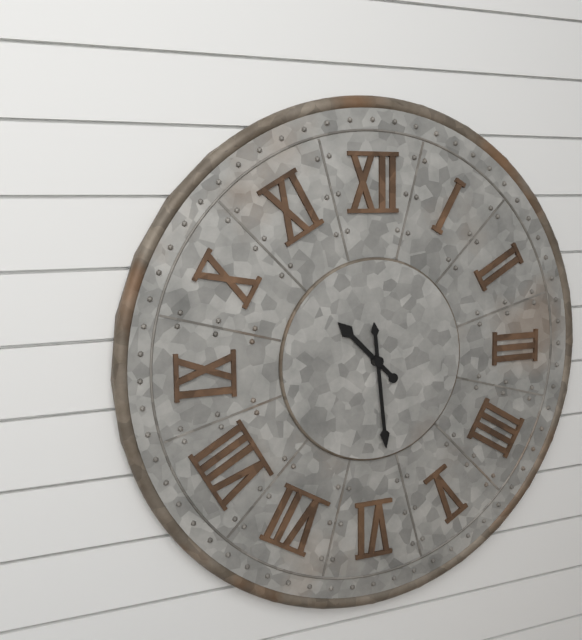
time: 10:29
